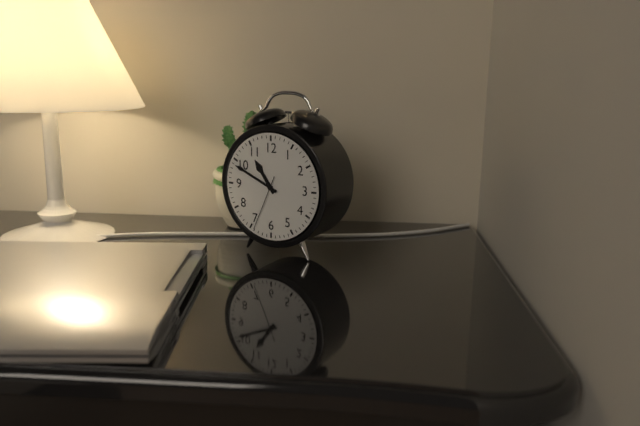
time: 10:49:34
